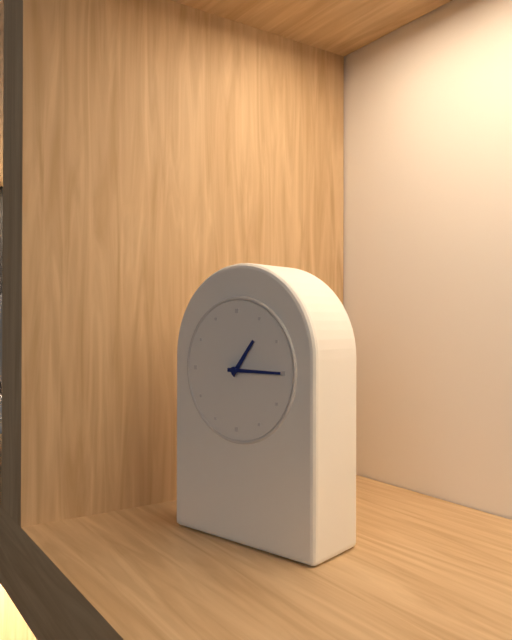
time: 1:15
